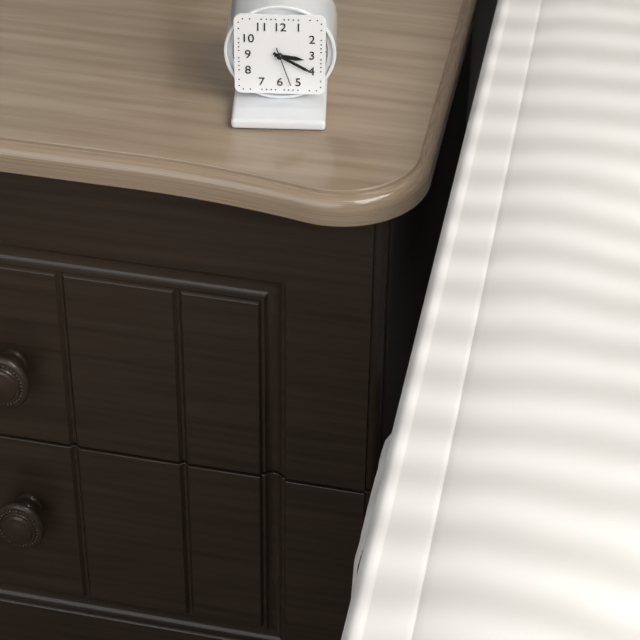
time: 3:20
